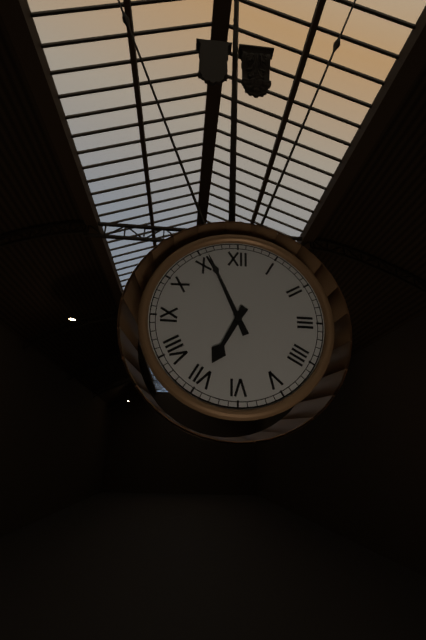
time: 6:56
